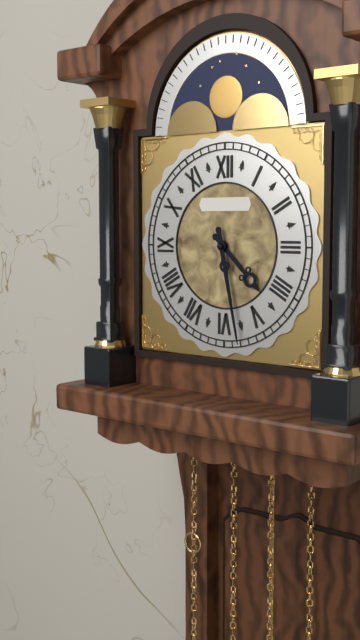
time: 4:28
